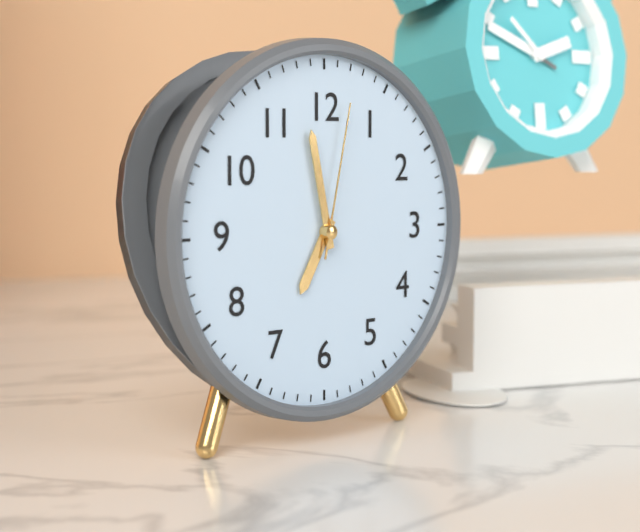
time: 6:58:02
